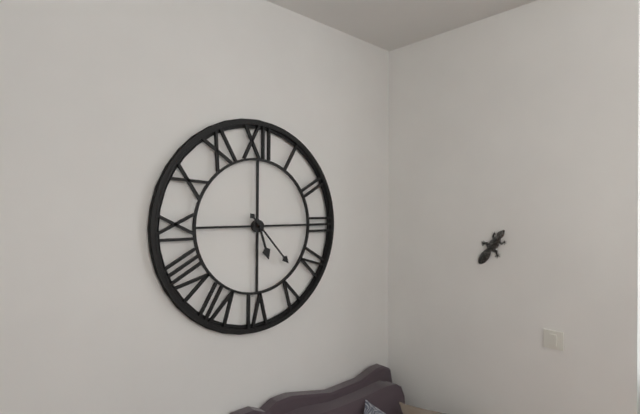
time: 5:23
